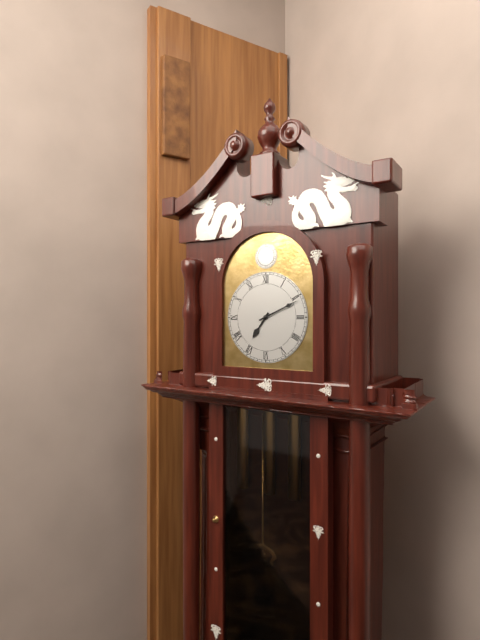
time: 7:11
